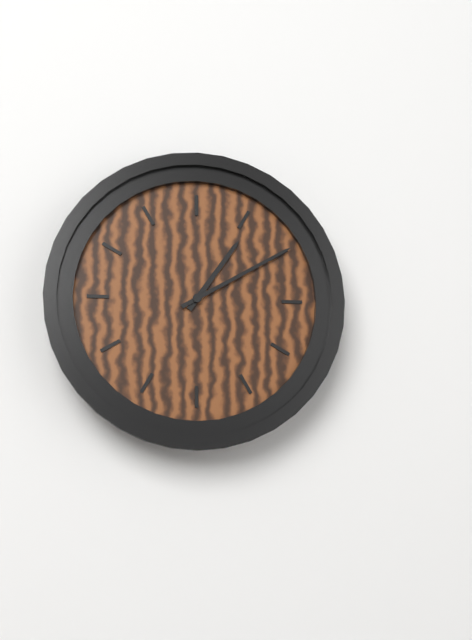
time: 1:10
